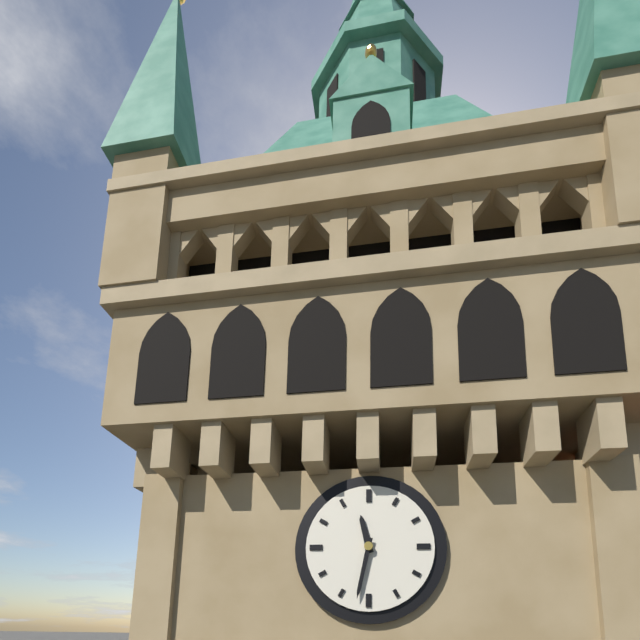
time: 11:32
